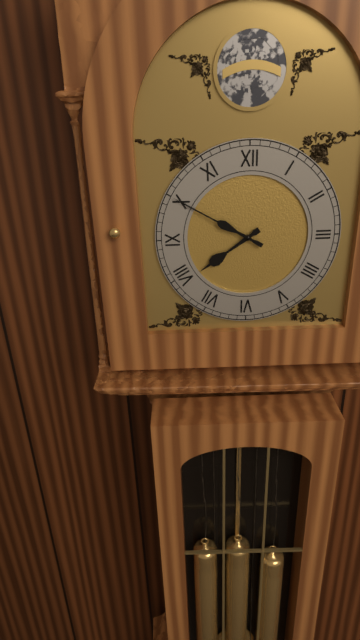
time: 7:50
